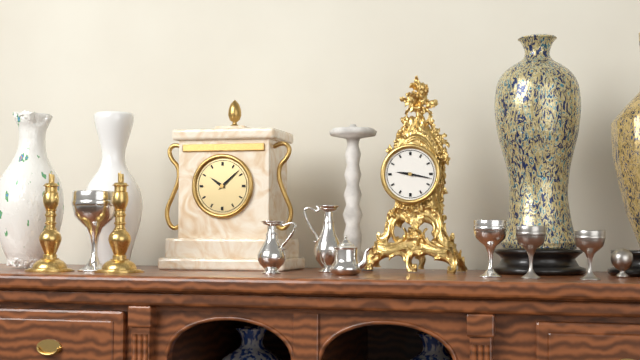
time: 9:17
